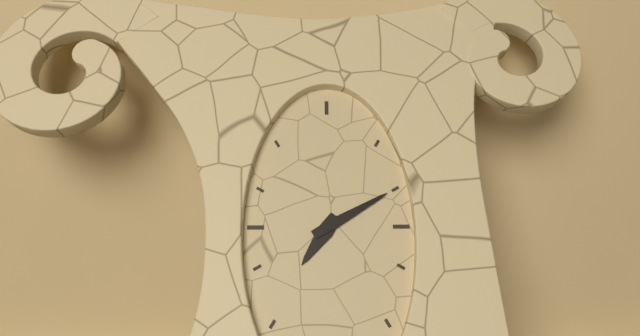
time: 7:10
